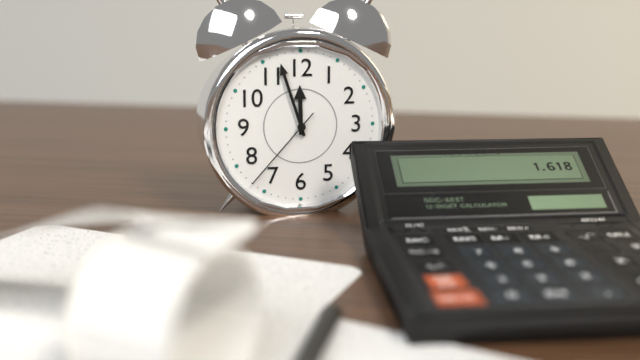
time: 11:57:37
